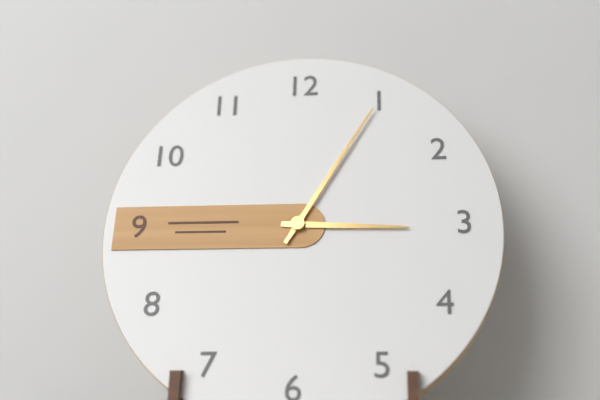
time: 3:05
